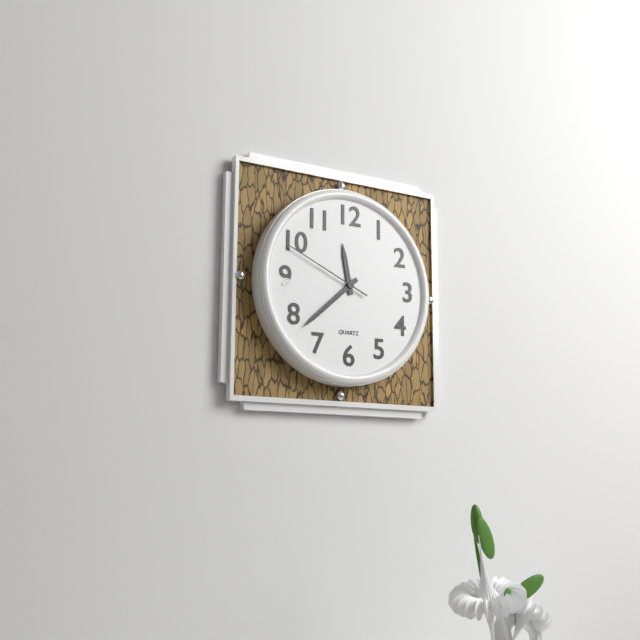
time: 11:38:49
